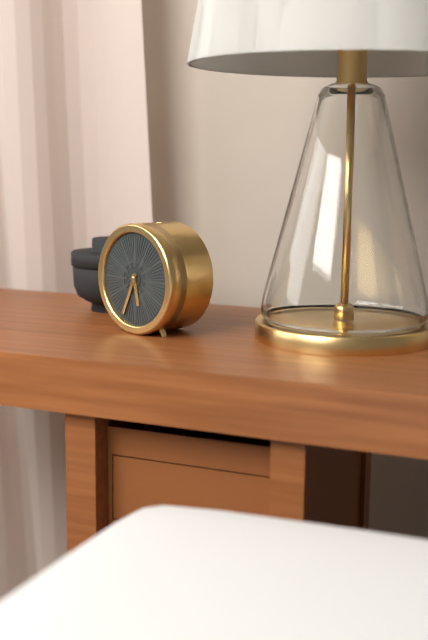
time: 5:34
